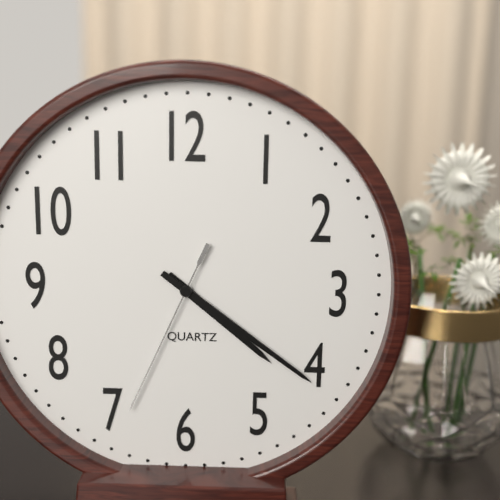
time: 4:21:34
